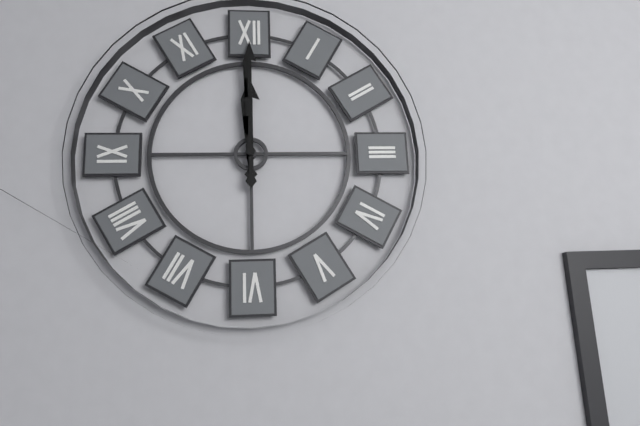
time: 12:00
